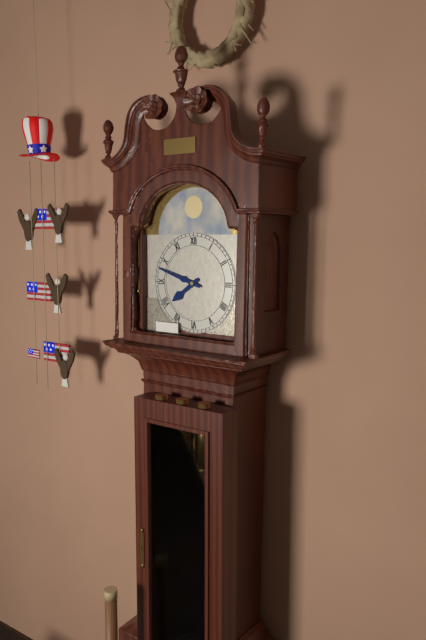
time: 7:48
